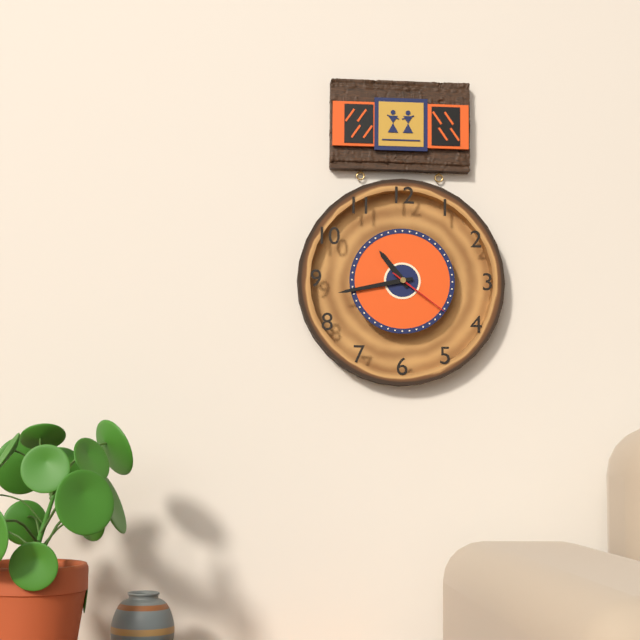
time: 10:43:21
